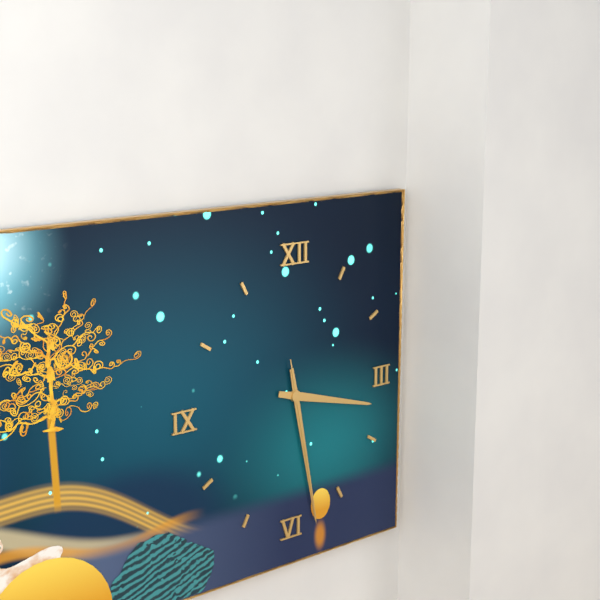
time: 3:28:28
